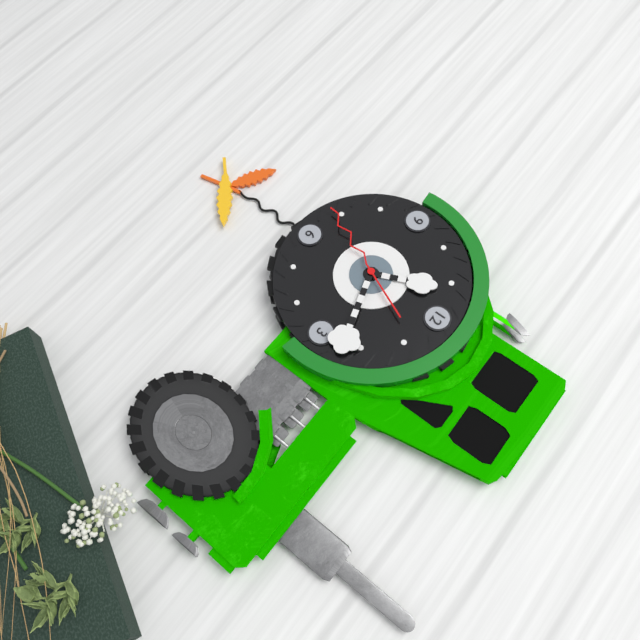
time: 11:12:34
